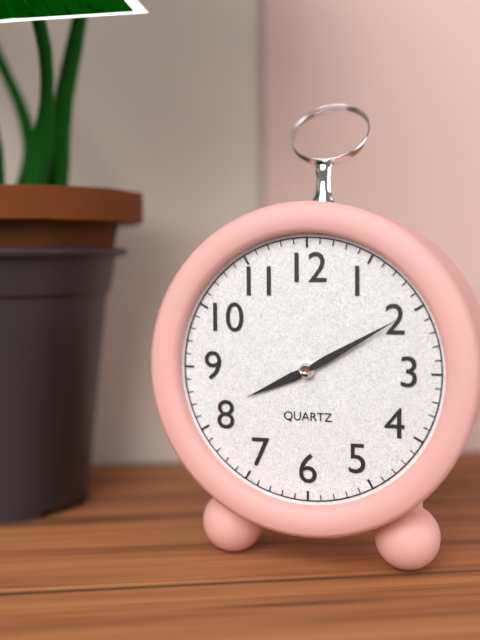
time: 8:10
